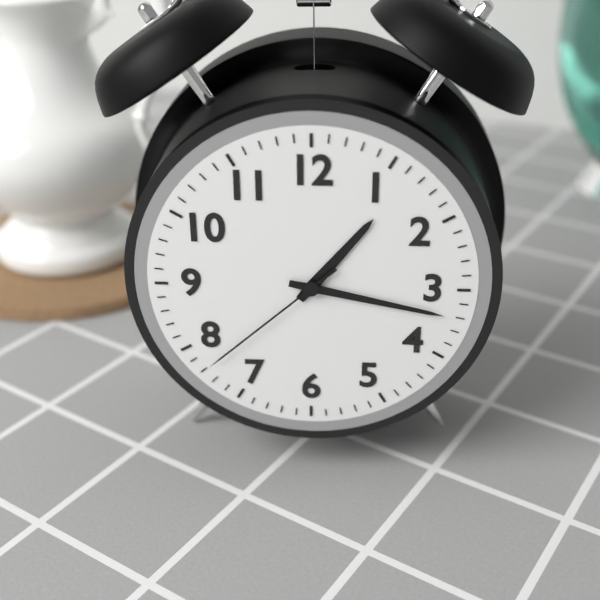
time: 1:17:38
